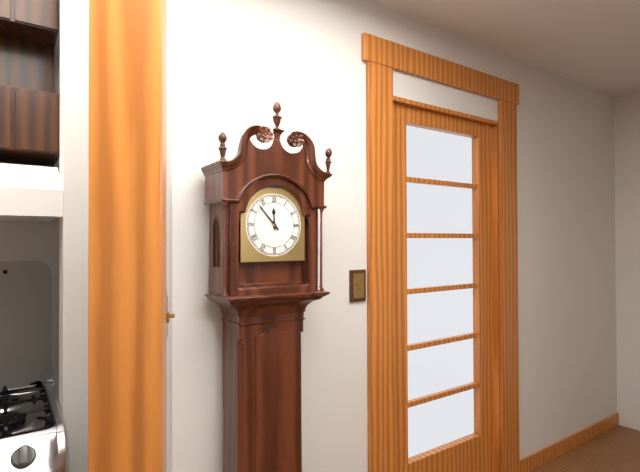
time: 11:53
